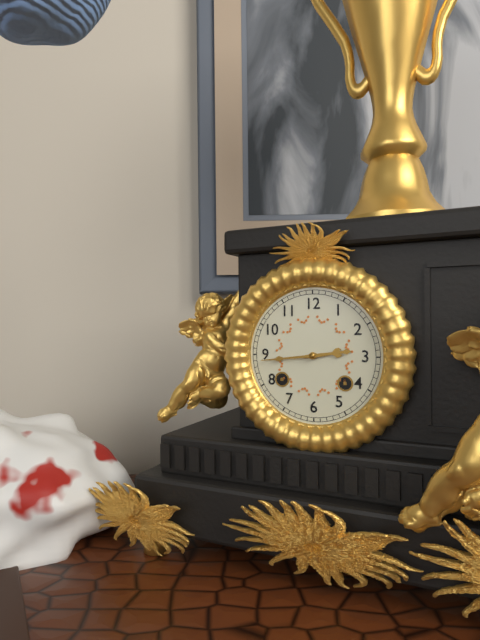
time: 2:44
